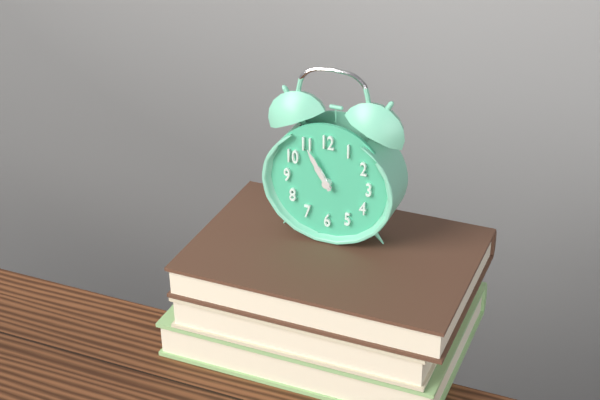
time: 10:55
